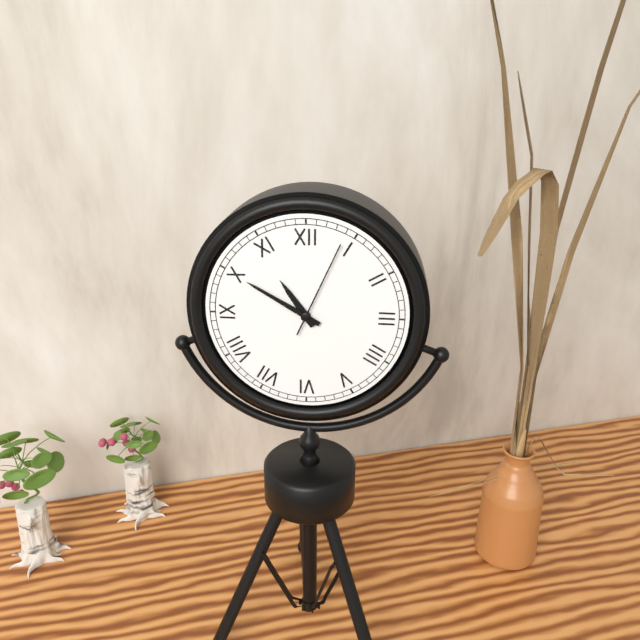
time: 10:50:04
